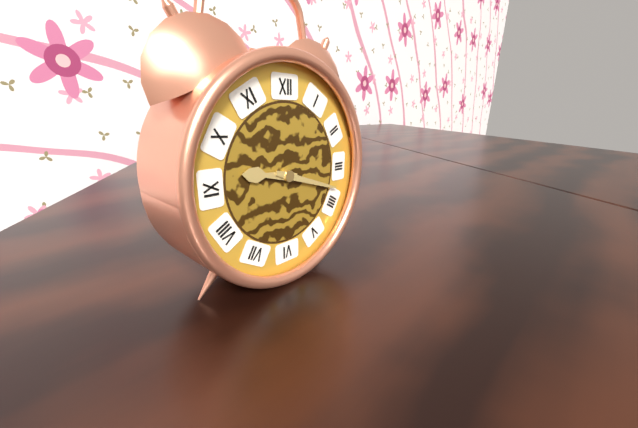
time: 9:18
